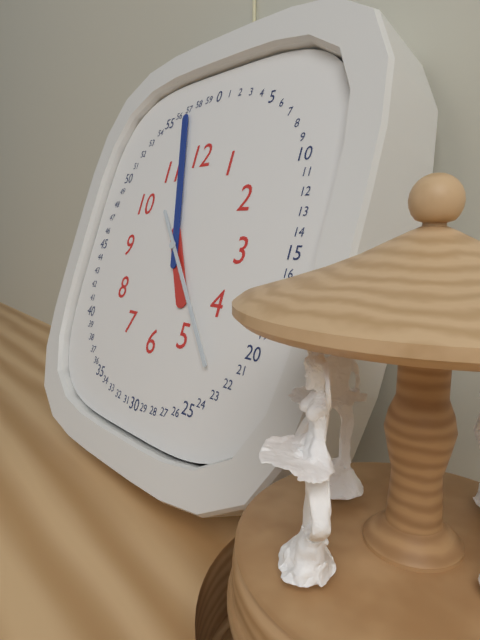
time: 4:57:23
